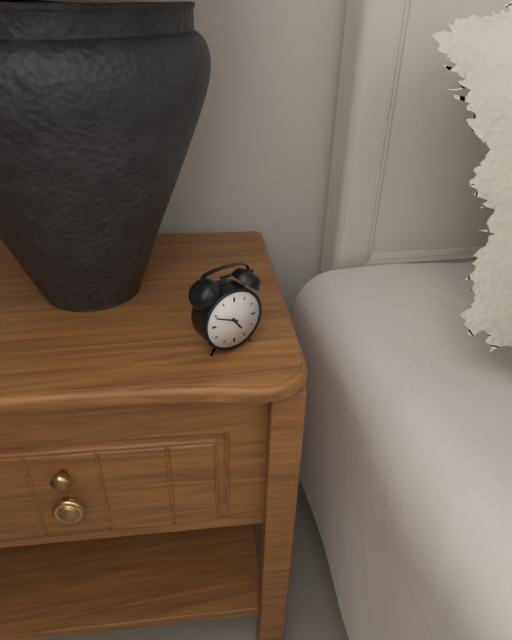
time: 4:49
